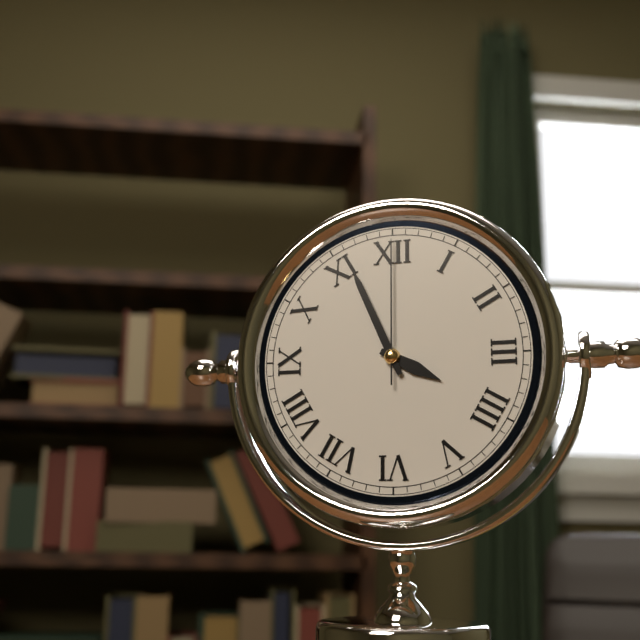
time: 3:56:00
